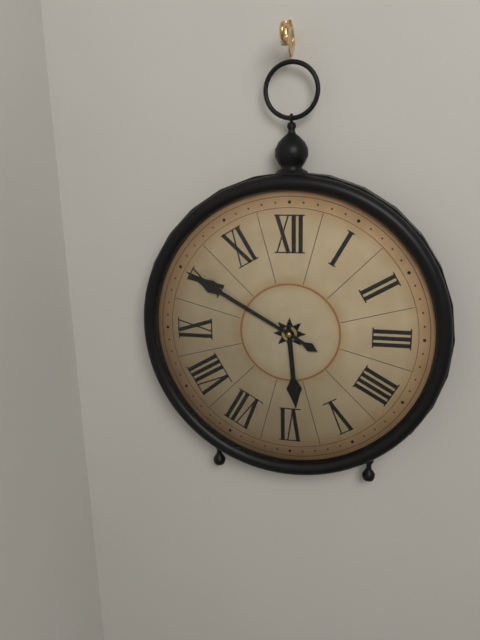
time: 5:50
